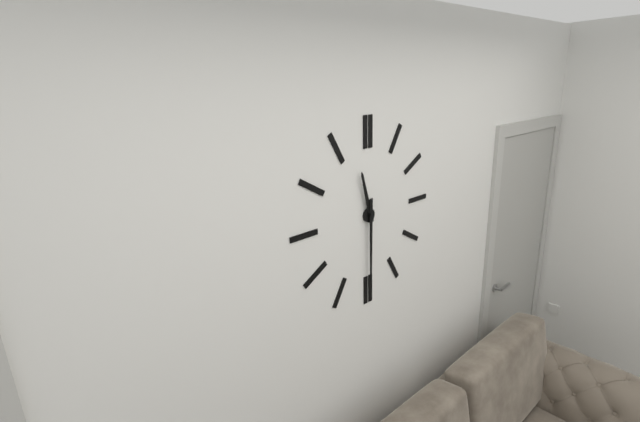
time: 11:30
